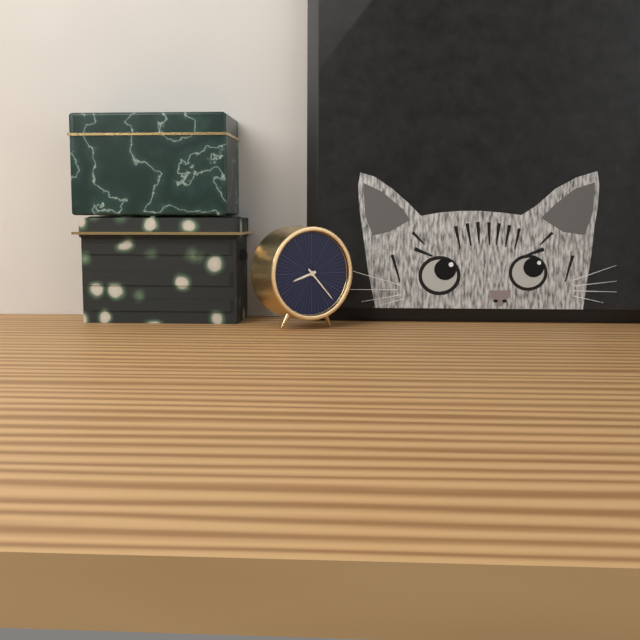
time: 8:23
